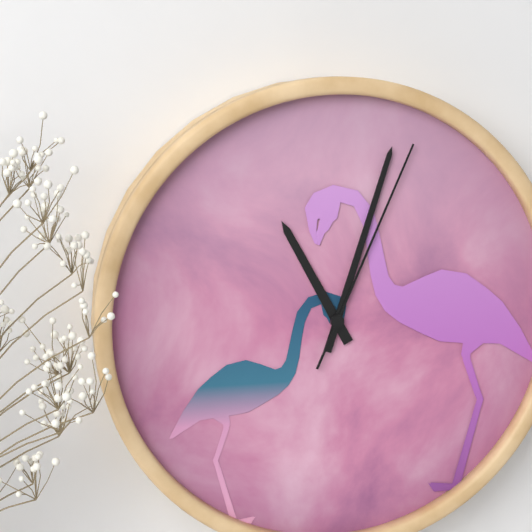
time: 11:03:04
